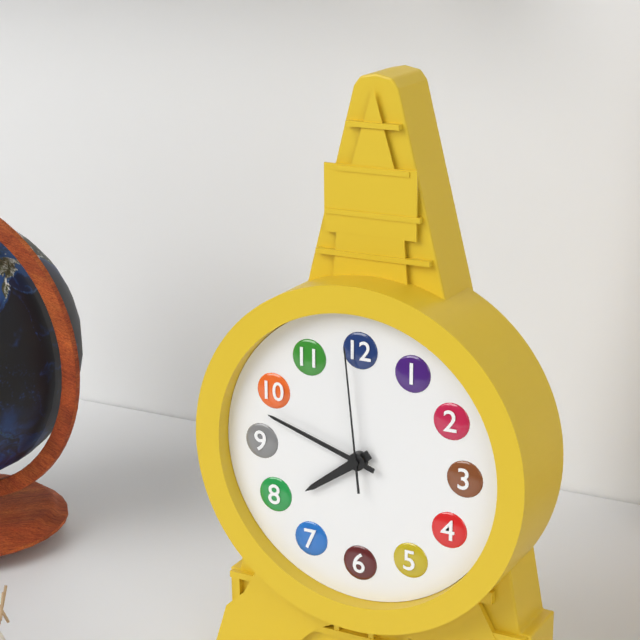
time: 7:48:59
